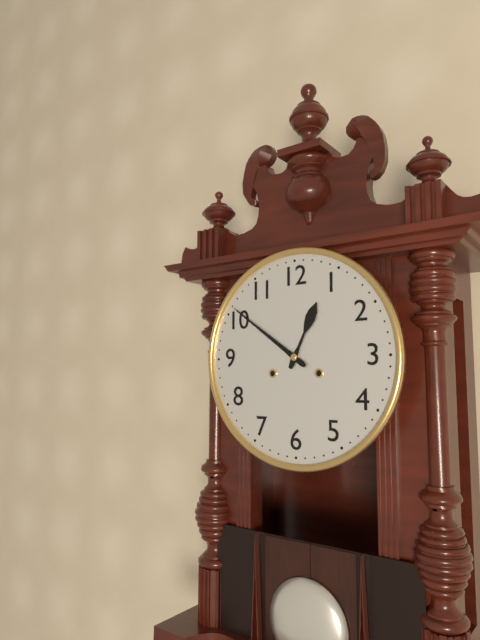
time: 12:51
